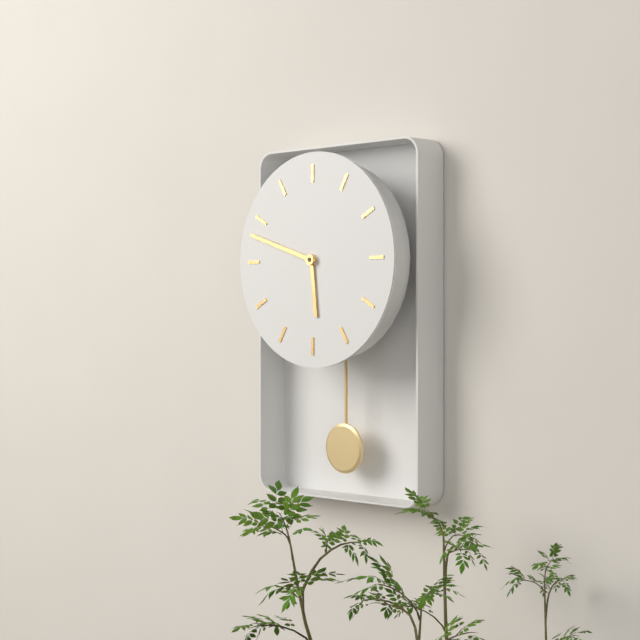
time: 5:48
